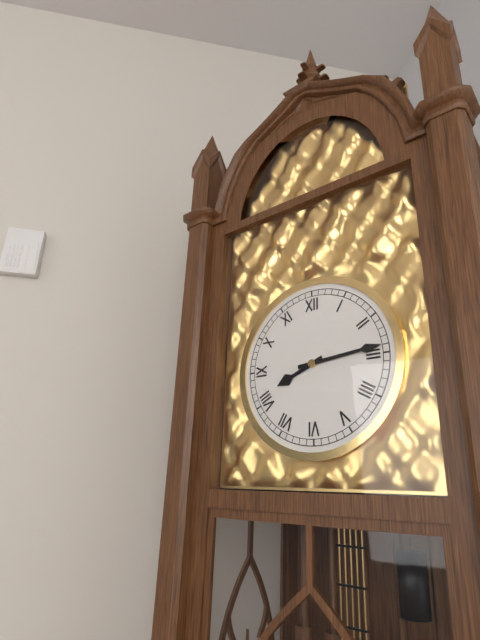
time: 8:14
